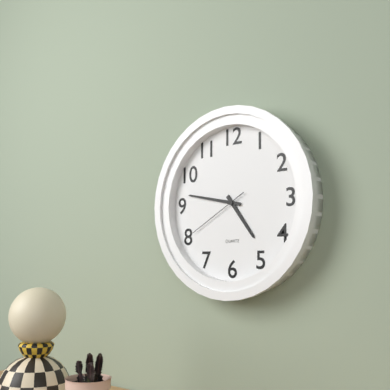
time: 4:47:40
